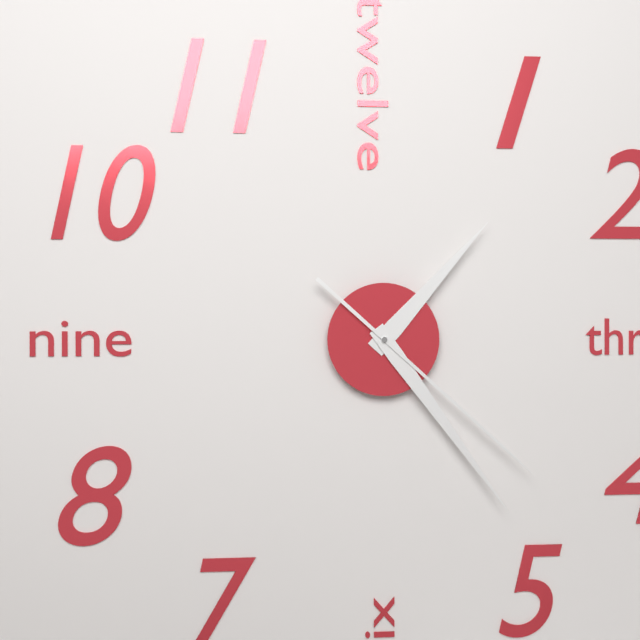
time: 1:24:22
